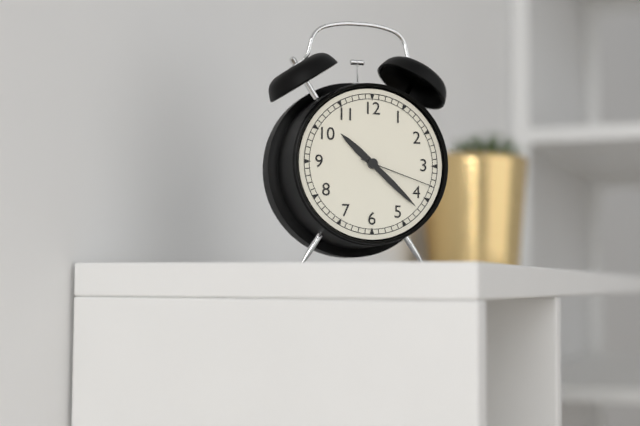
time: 10:22:18
